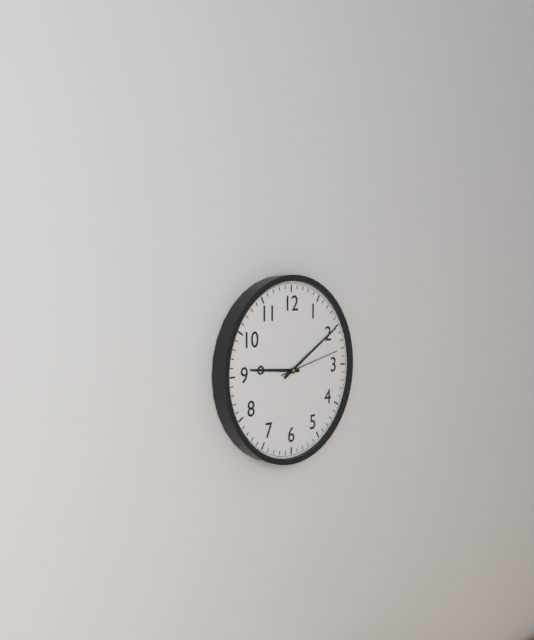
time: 9:10:13
